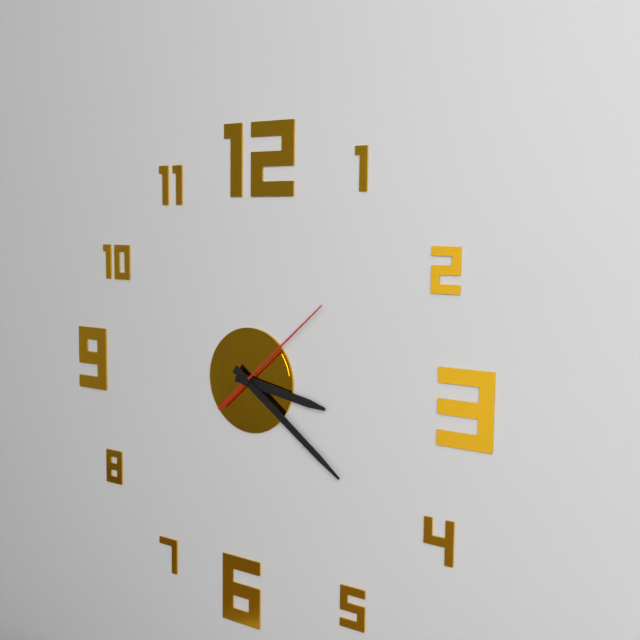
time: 3:21:08
